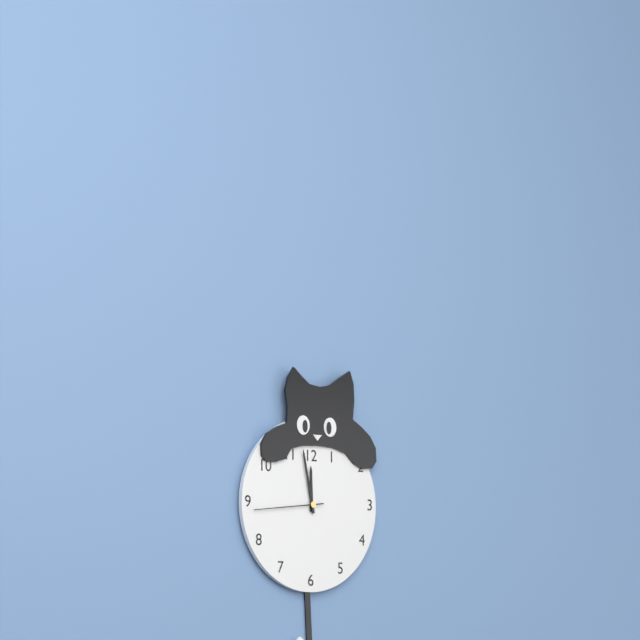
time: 11:58:44
